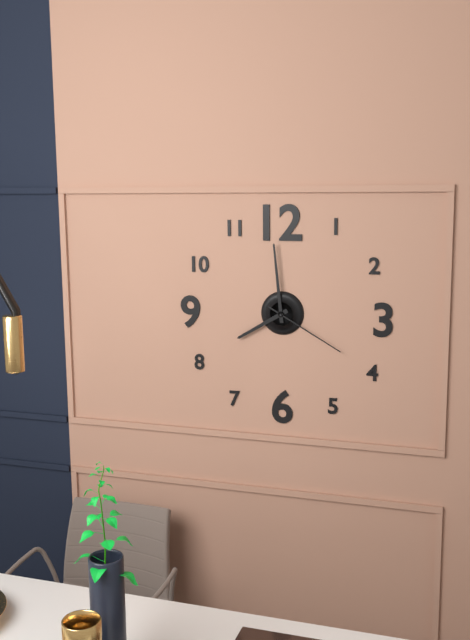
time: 7:59:20
